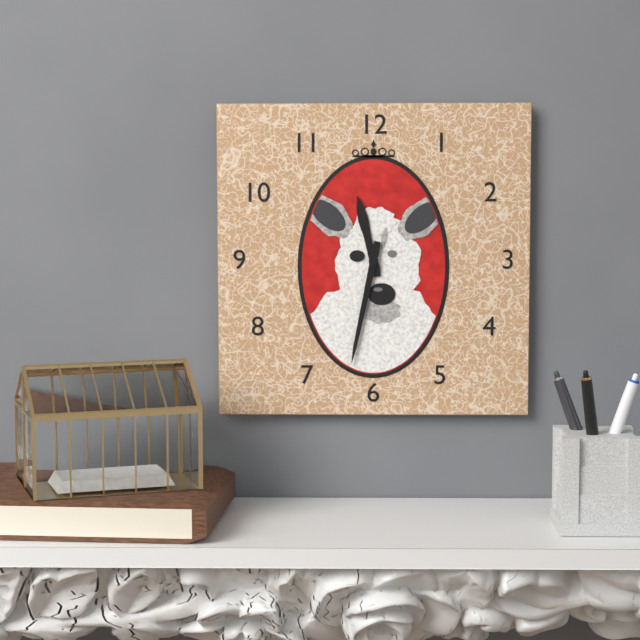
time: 11:32
